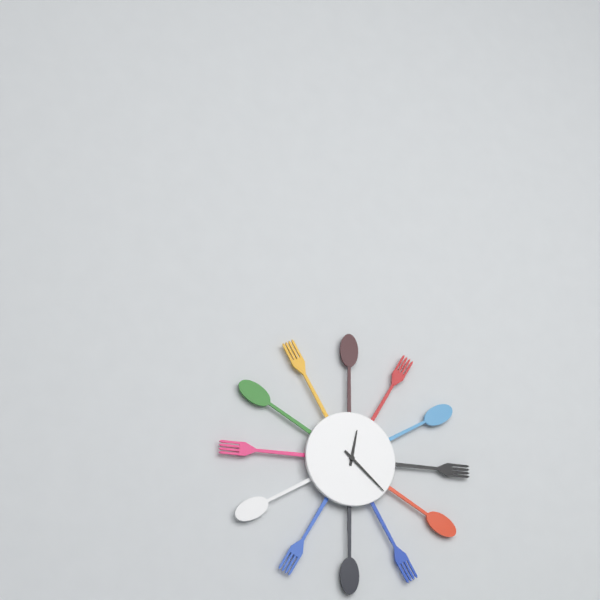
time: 12:22
